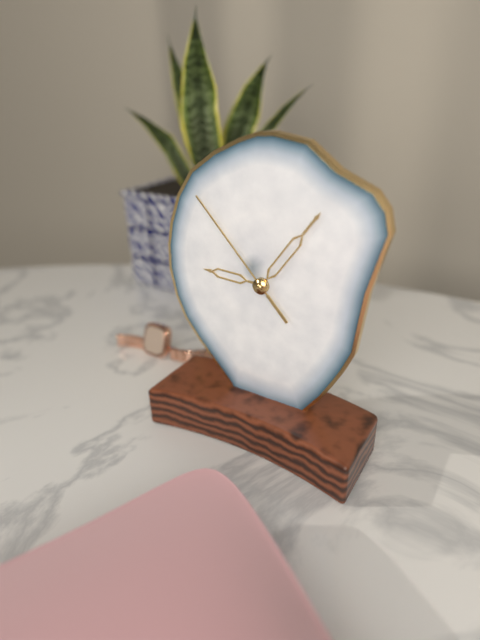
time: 9:06:53
